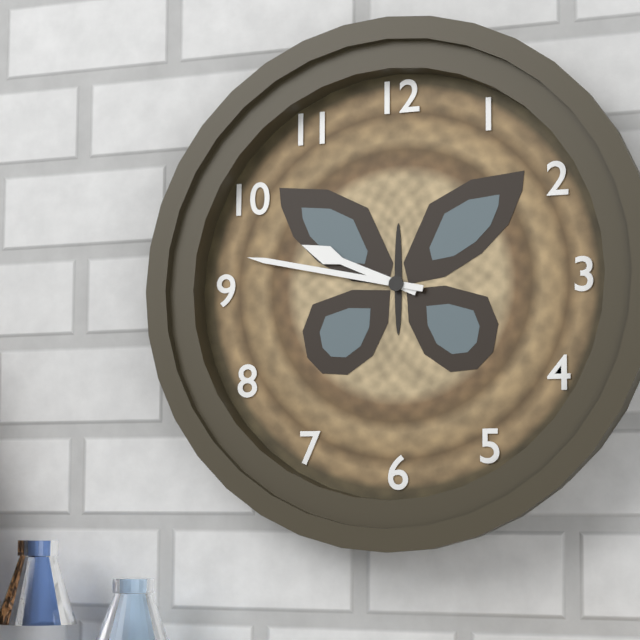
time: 9:47
